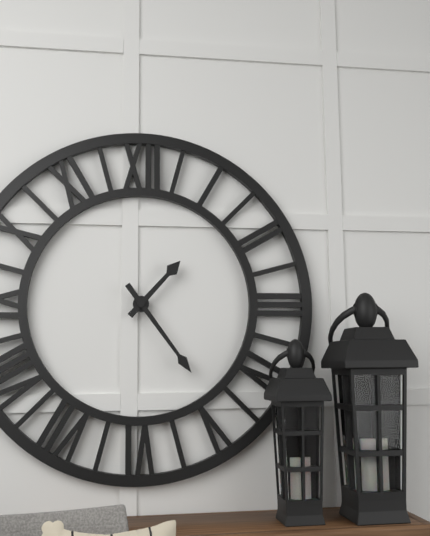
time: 1:24
